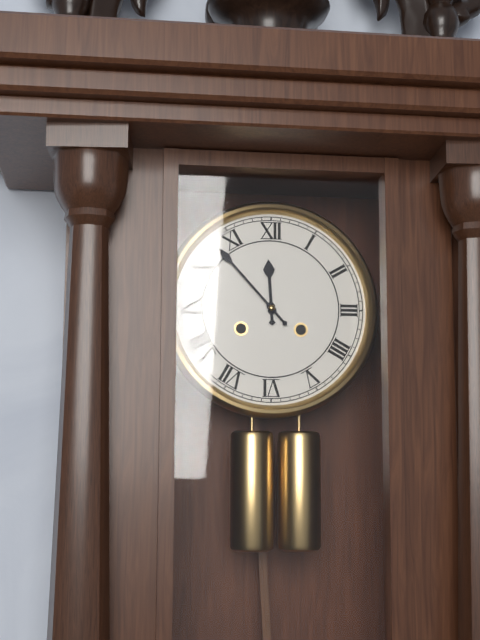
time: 11:53
